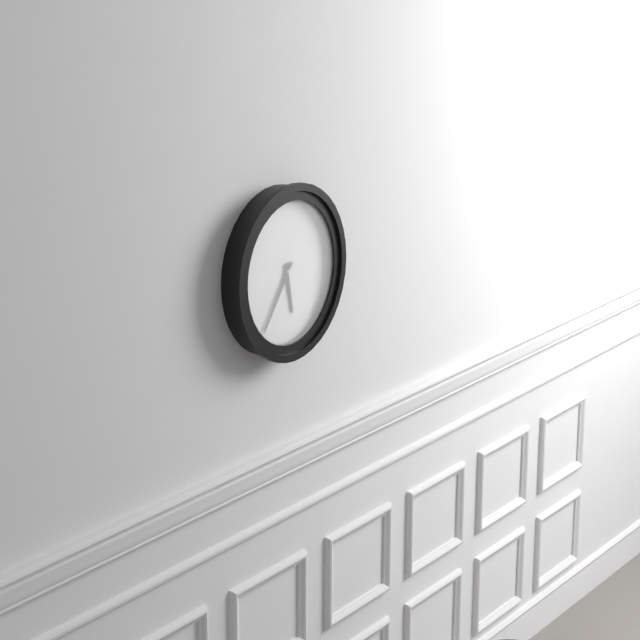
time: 5:36
